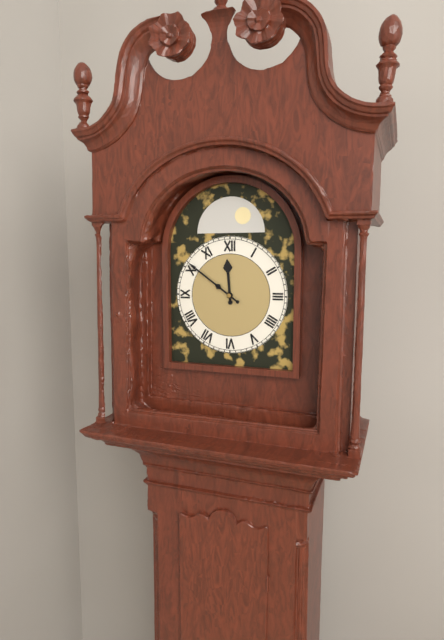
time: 11:51
